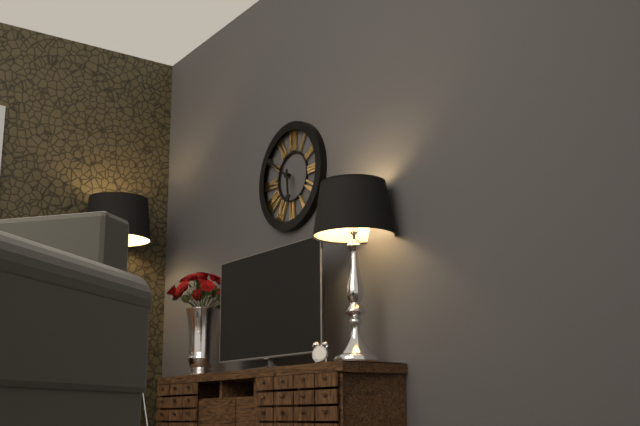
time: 5:51
